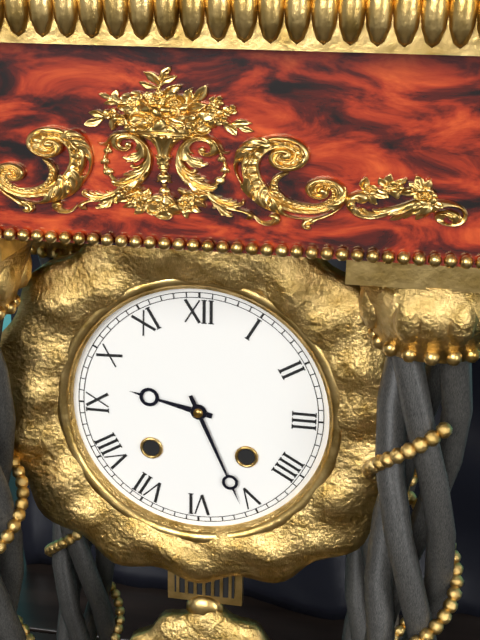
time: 9:26
